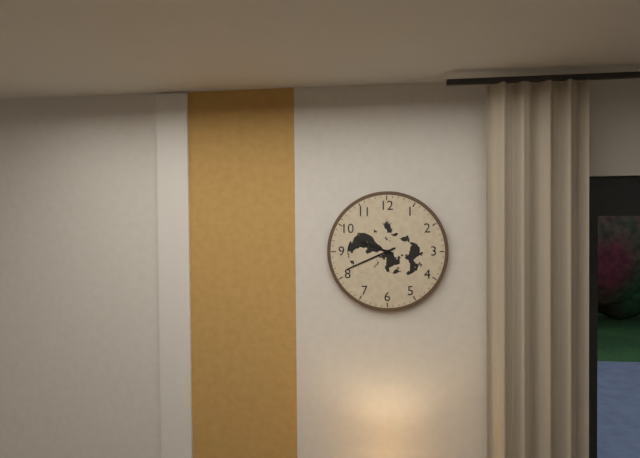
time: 9:41
